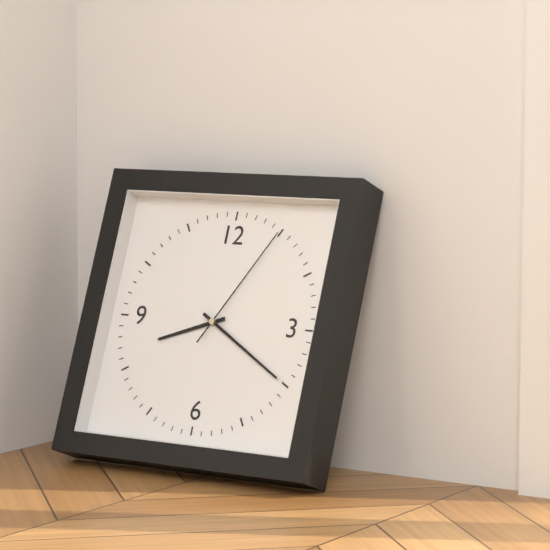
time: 8:20:05
